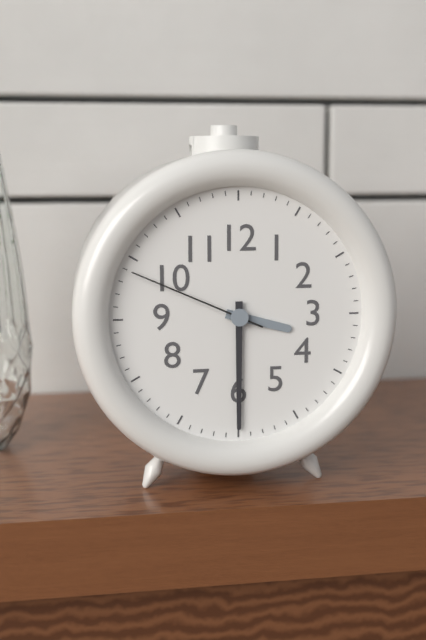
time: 3:30:49
